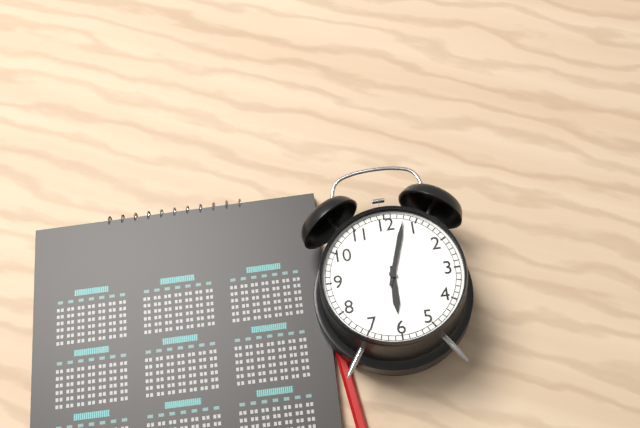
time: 6:03
